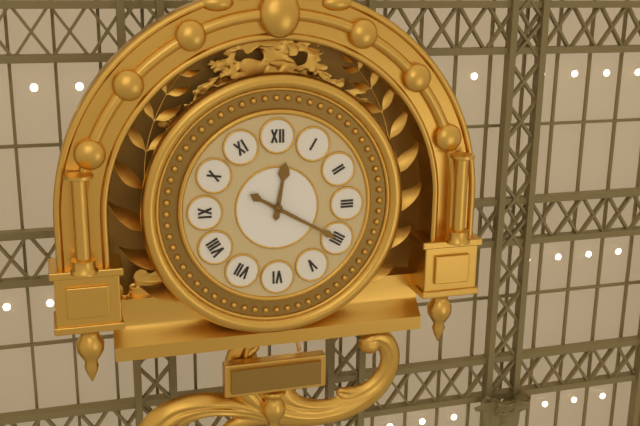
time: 12:20
